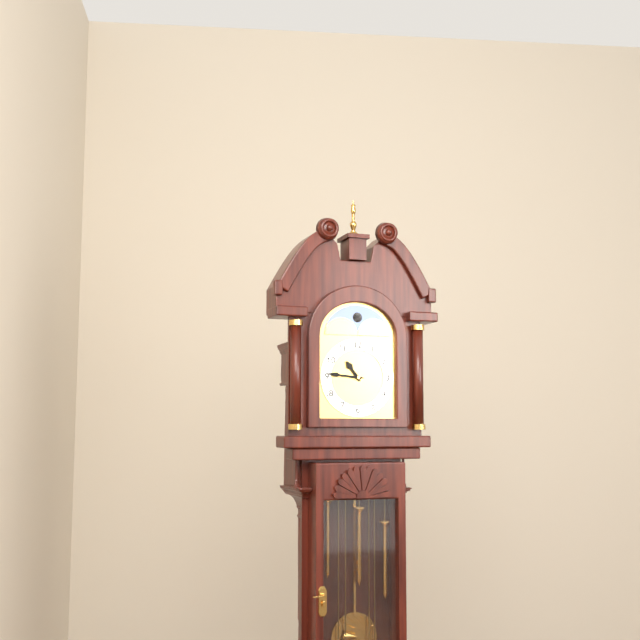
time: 10:46
